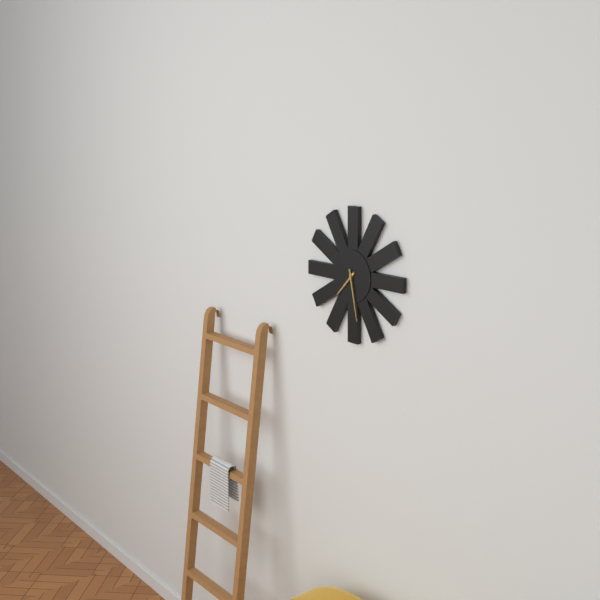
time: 7:28
